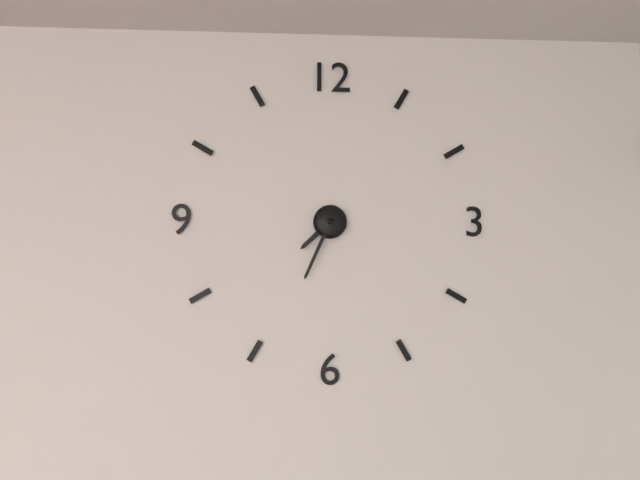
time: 7:34
